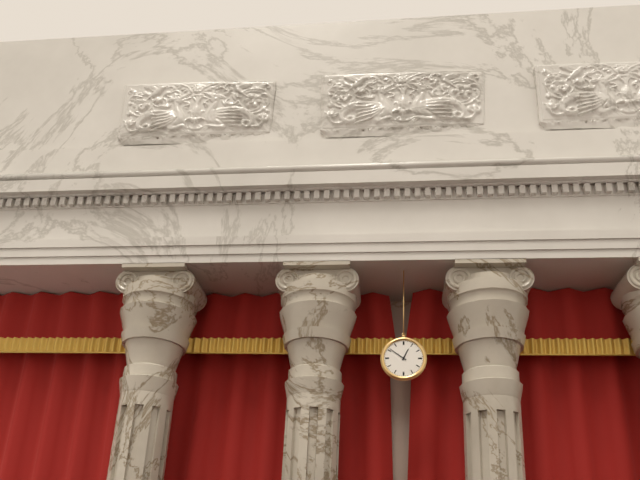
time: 12:51
